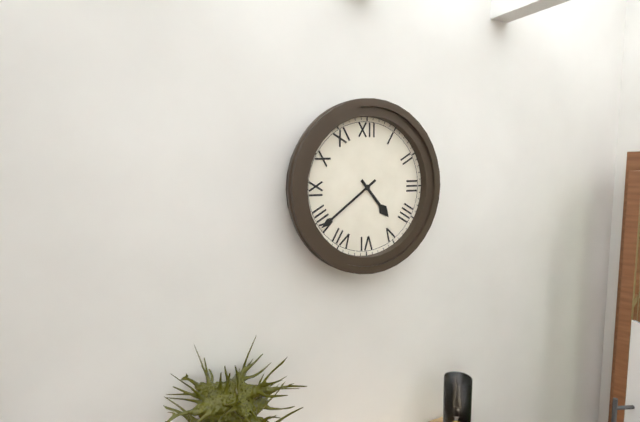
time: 4:39
